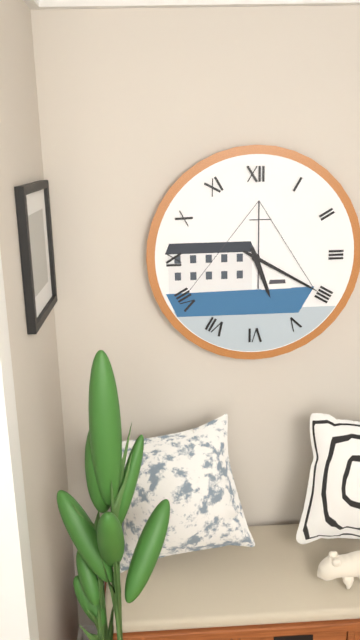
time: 5:20
